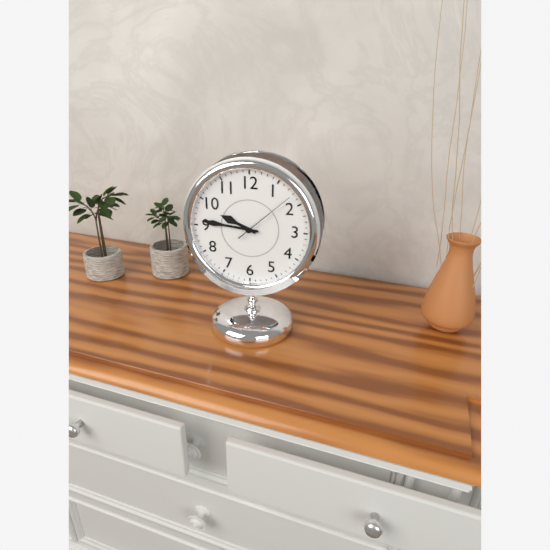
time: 9:46:08
